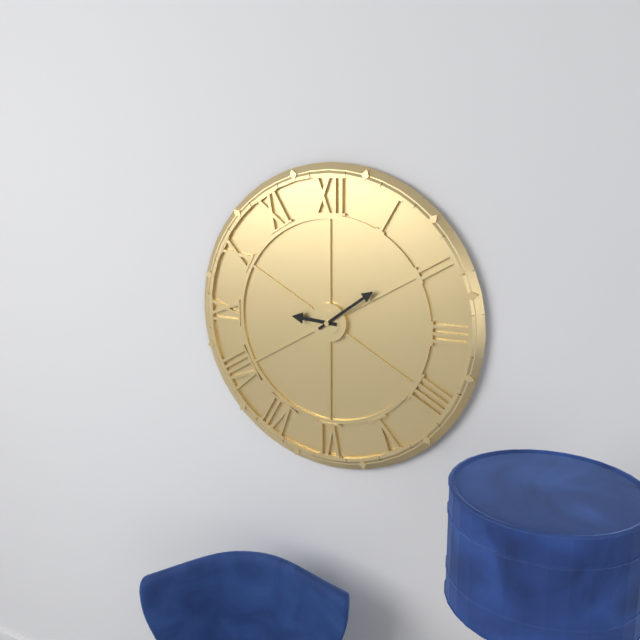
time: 9:09
